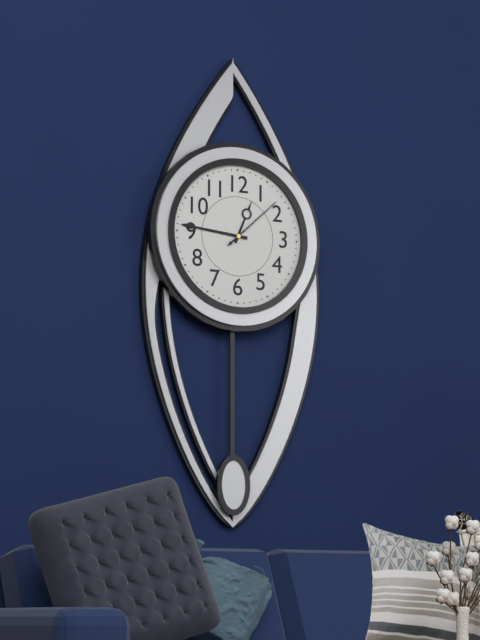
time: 12:46:08
